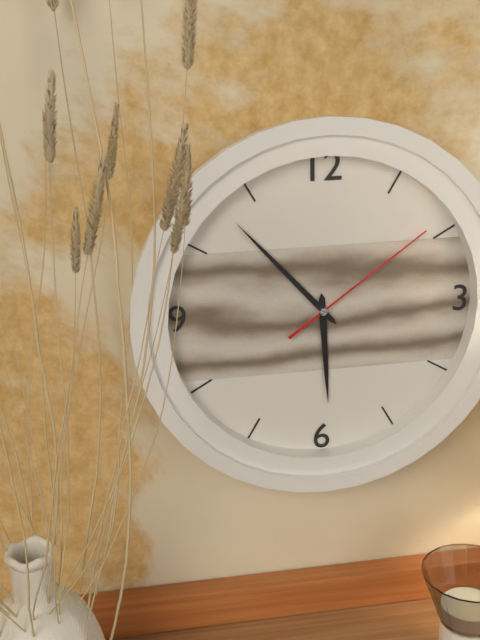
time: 5:53:09
